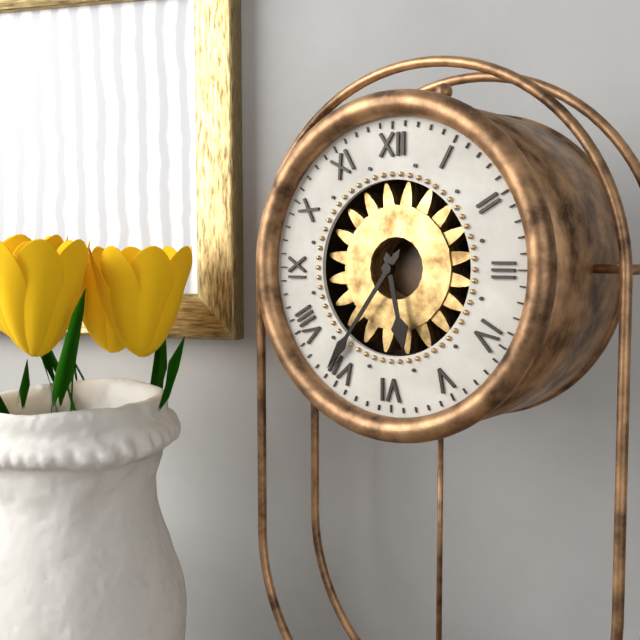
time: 5:36
